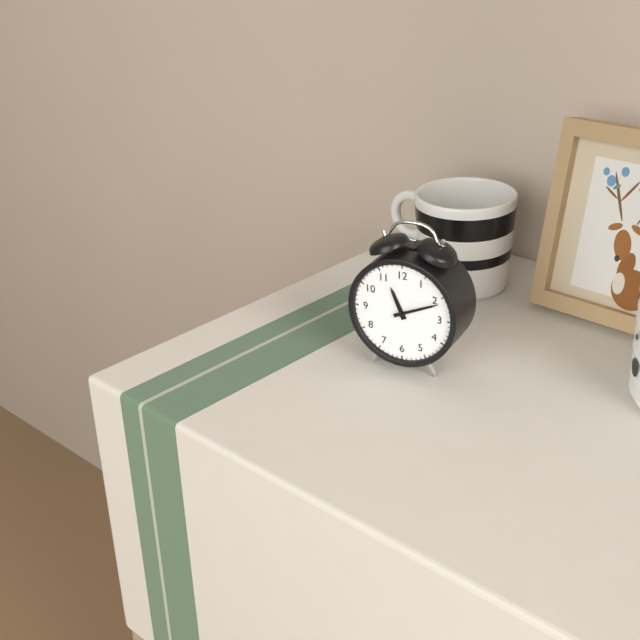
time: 11:11
